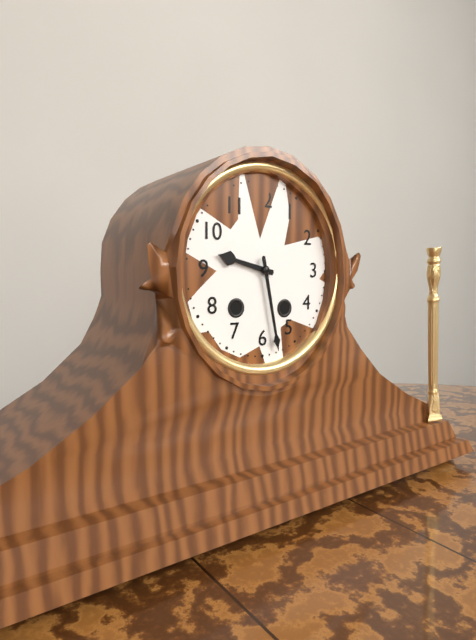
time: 9:28
